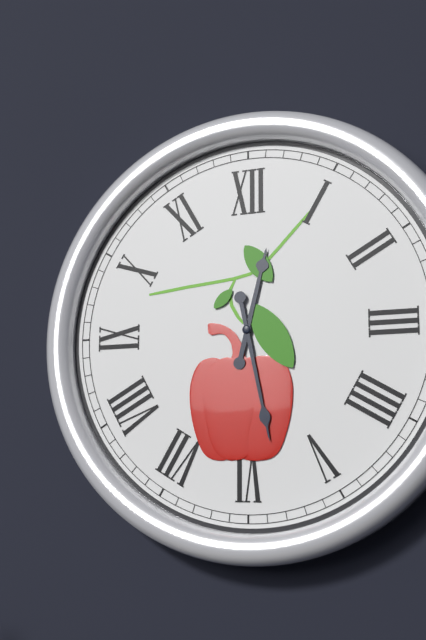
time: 12:28
